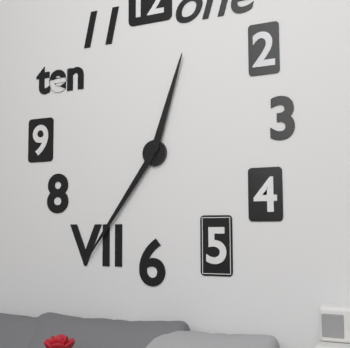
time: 12:36
